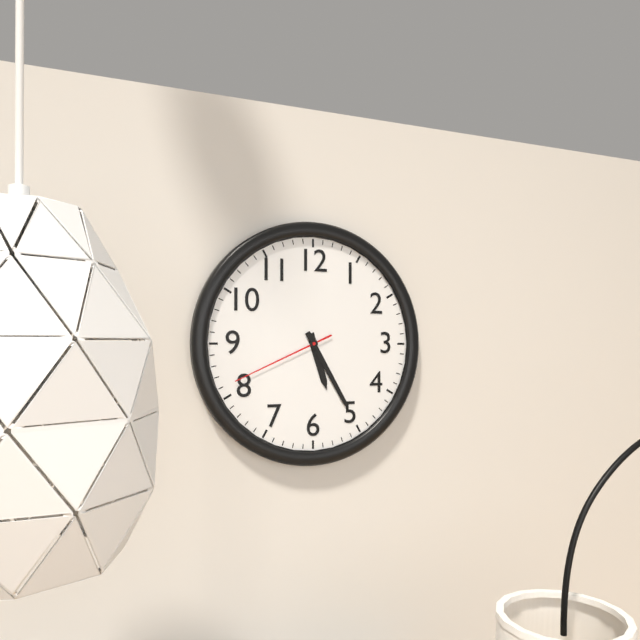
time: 5:25:41
